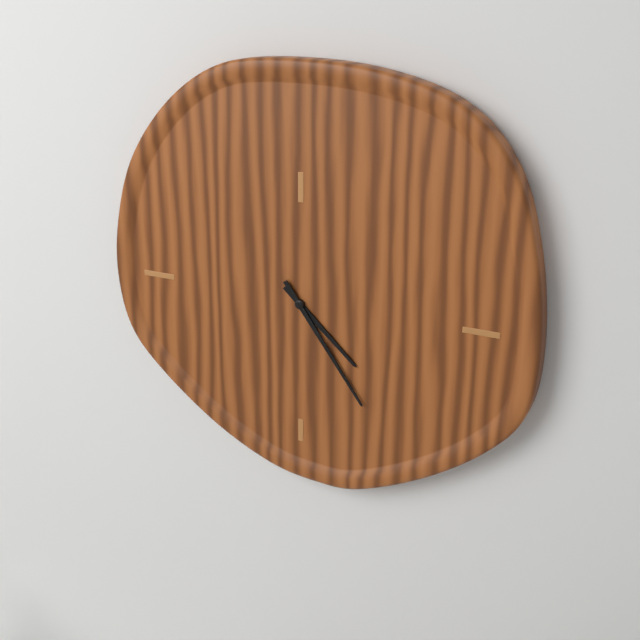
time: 4:24
